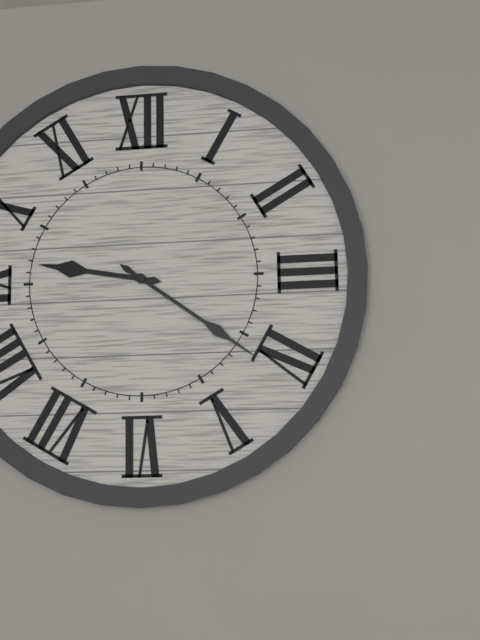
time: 9:21
